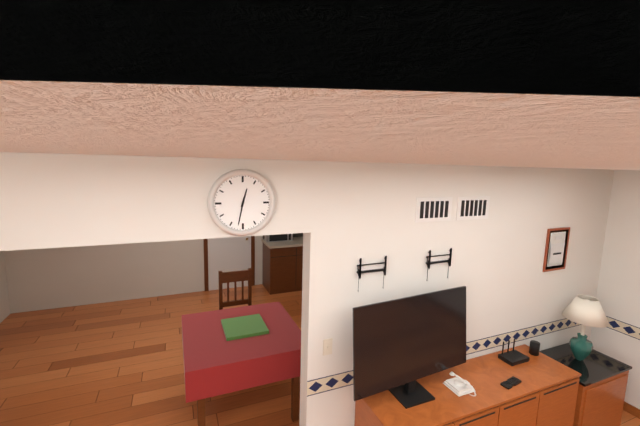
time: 12:32
